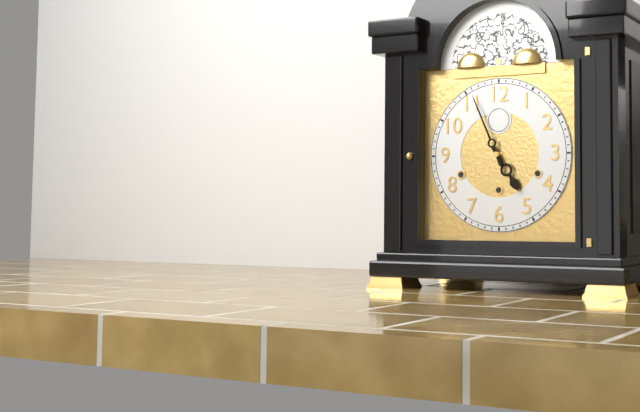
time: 4:56
